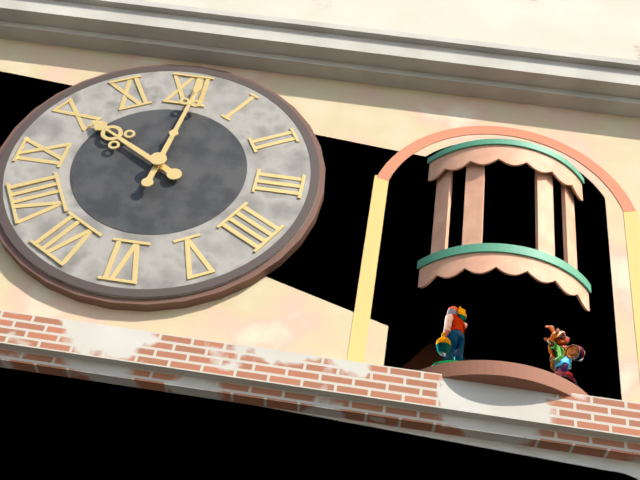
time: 10:01
